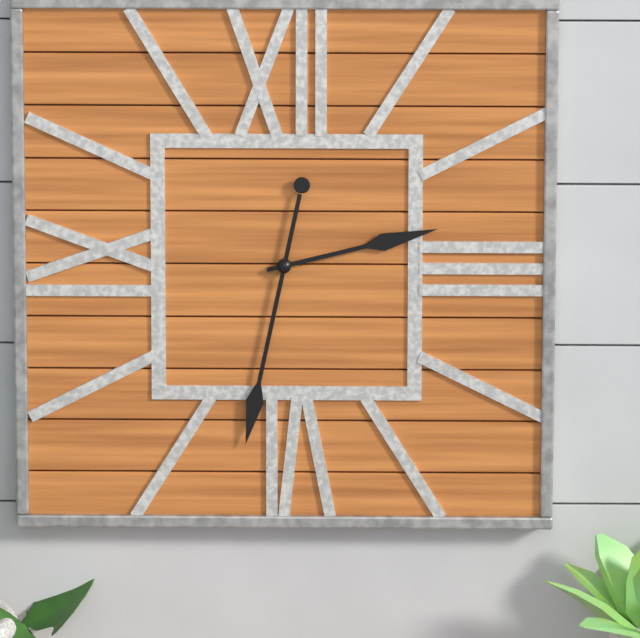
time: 2:32
